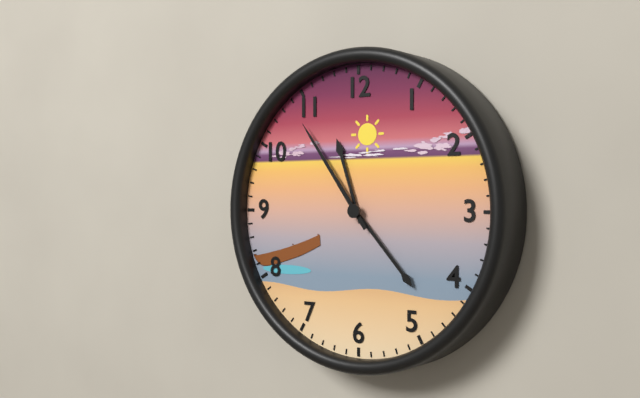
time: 11:23:54
